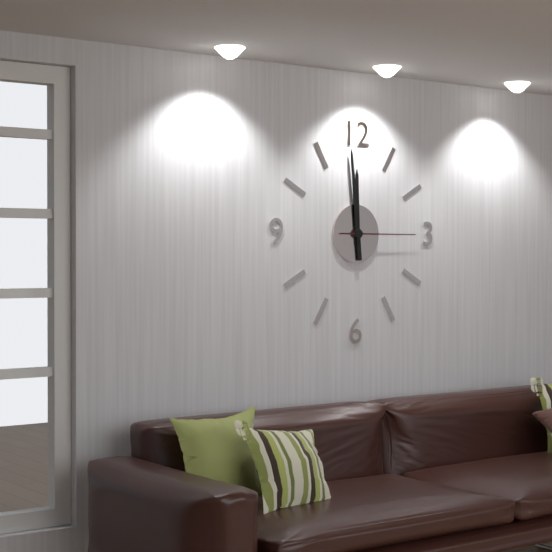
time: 11:59:15
